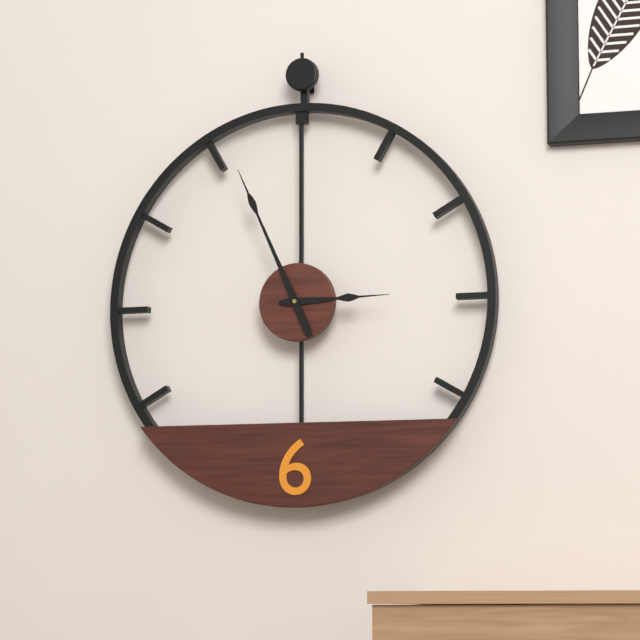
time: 2:56
